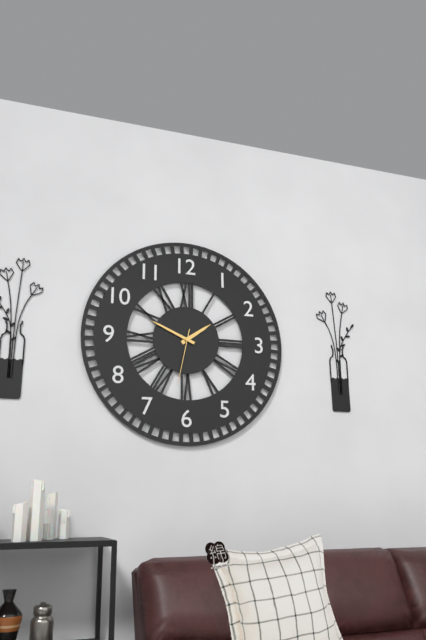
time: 1:49:32
